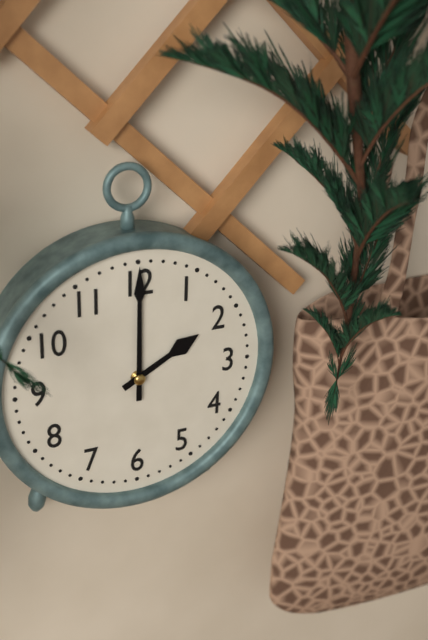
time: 2:00
